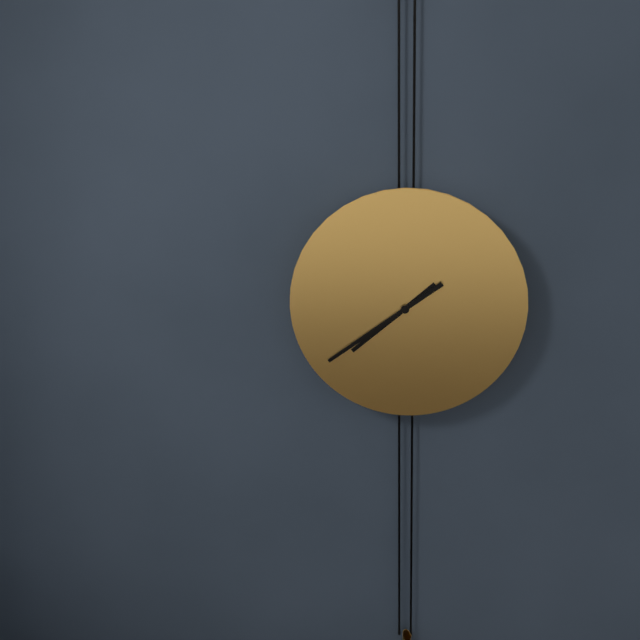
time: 7:39
